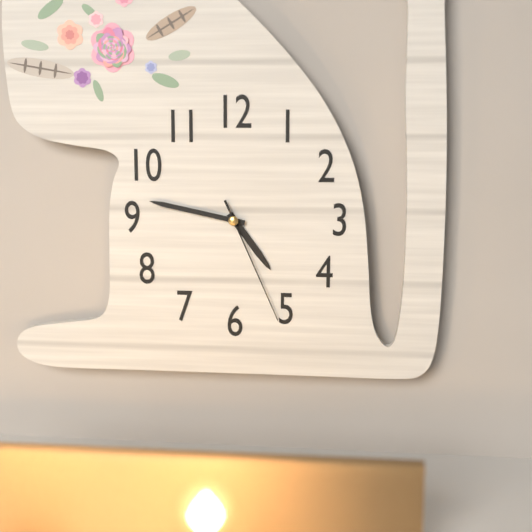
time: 4:47:26
